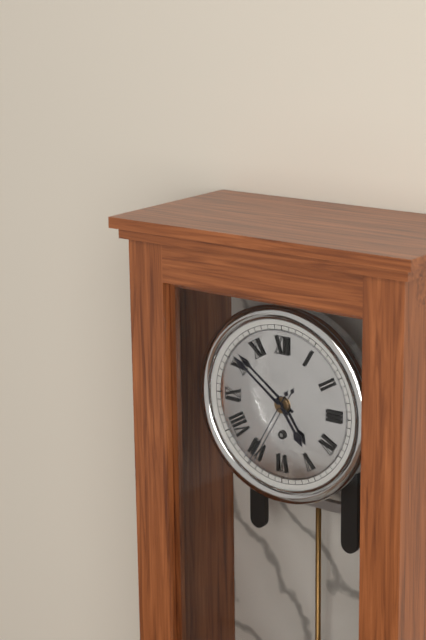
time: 4:51:35
